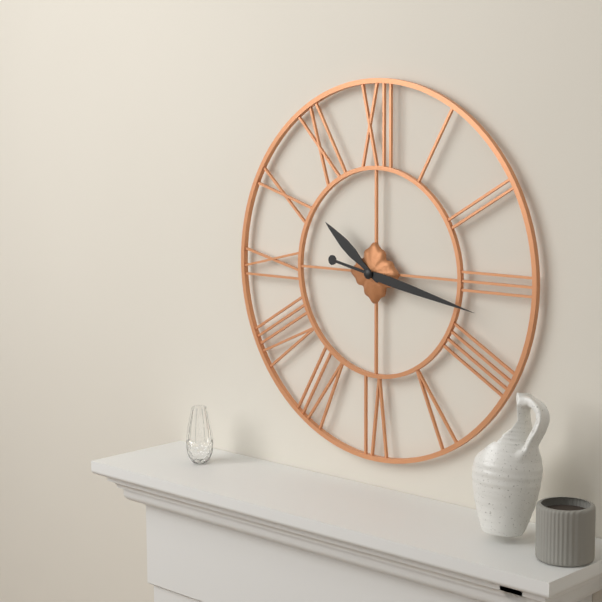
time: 10:17
